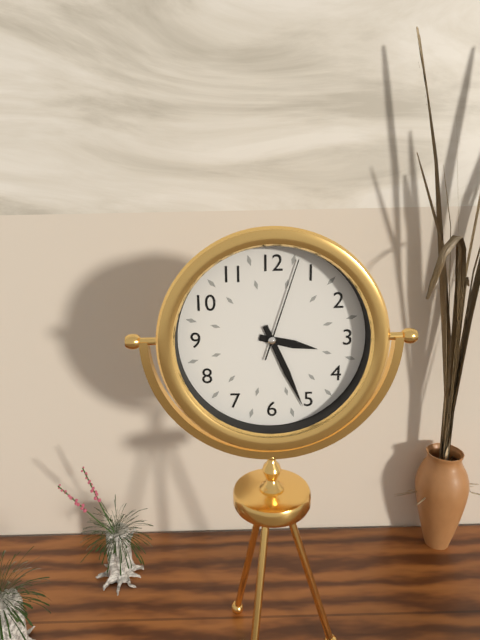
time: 3:26:03
